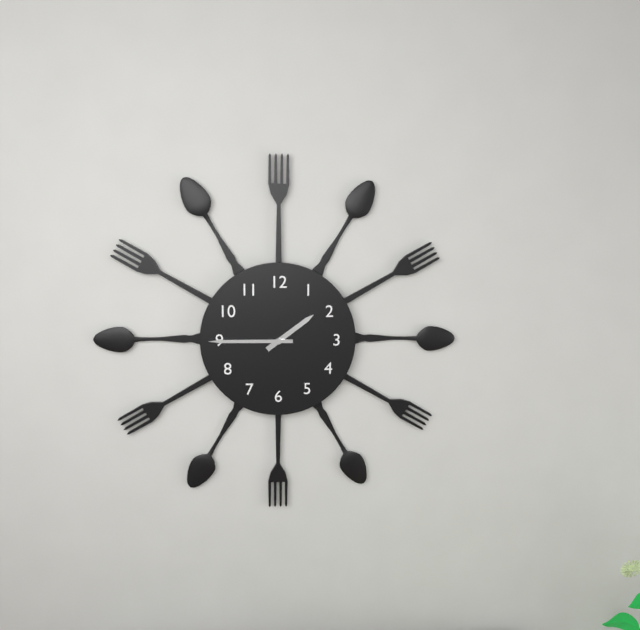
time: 1:45
